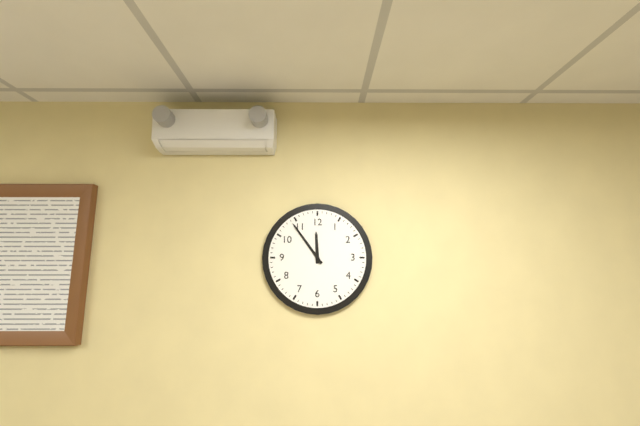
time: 11:54
